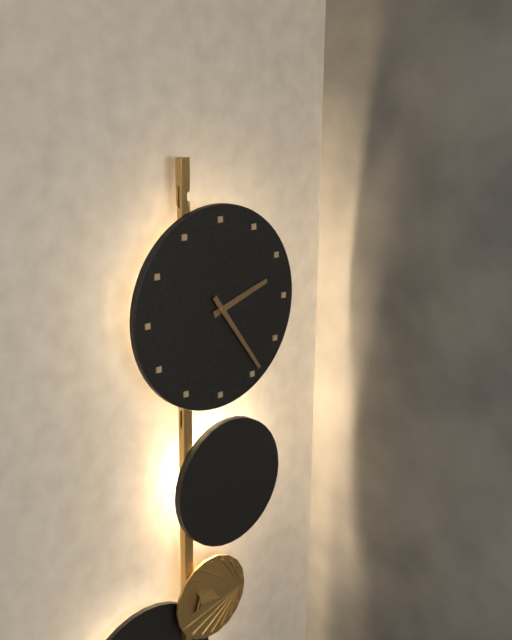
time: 2:24
